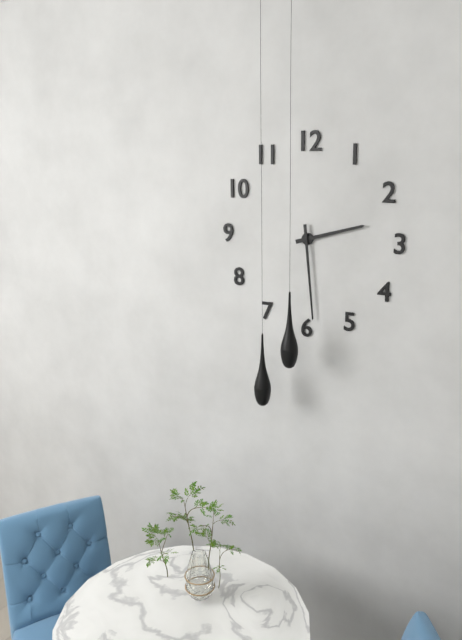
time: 2:29
